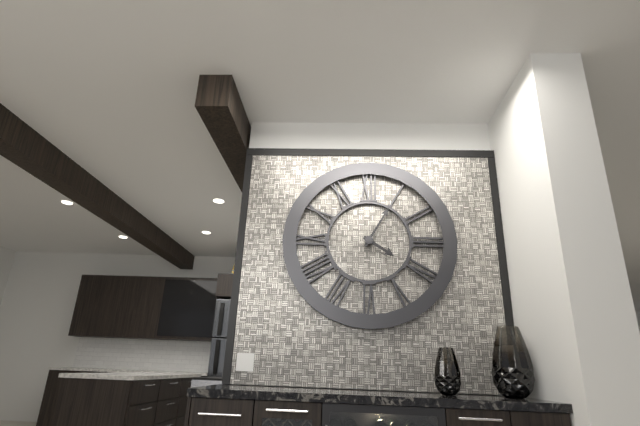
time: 4:05
